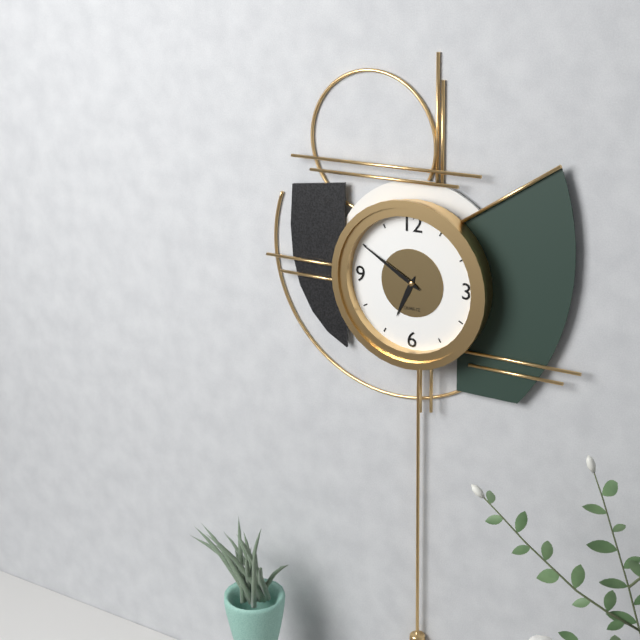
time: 6:50
